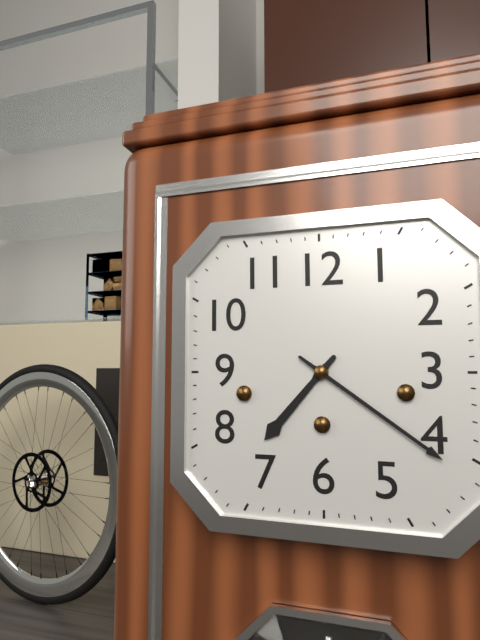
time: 7:21
